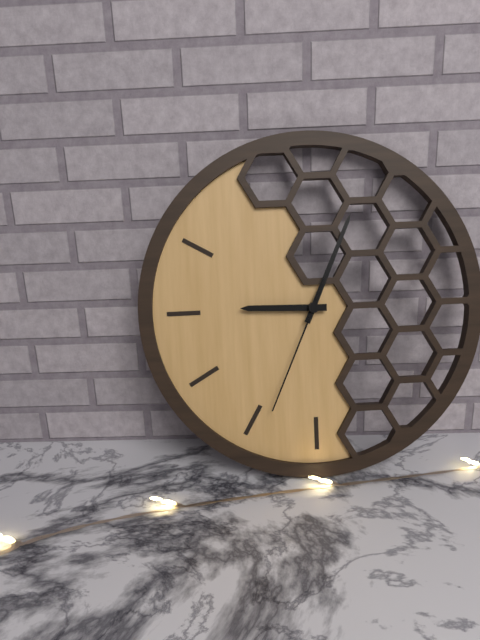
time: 9:04:34
